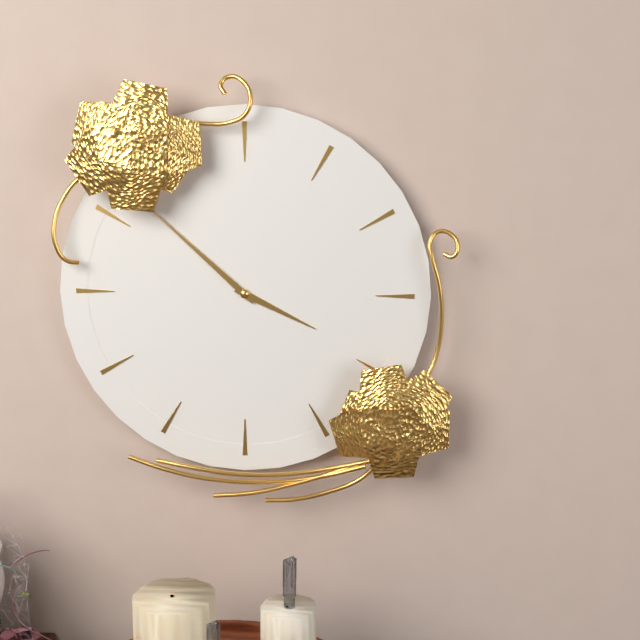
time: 3:52
